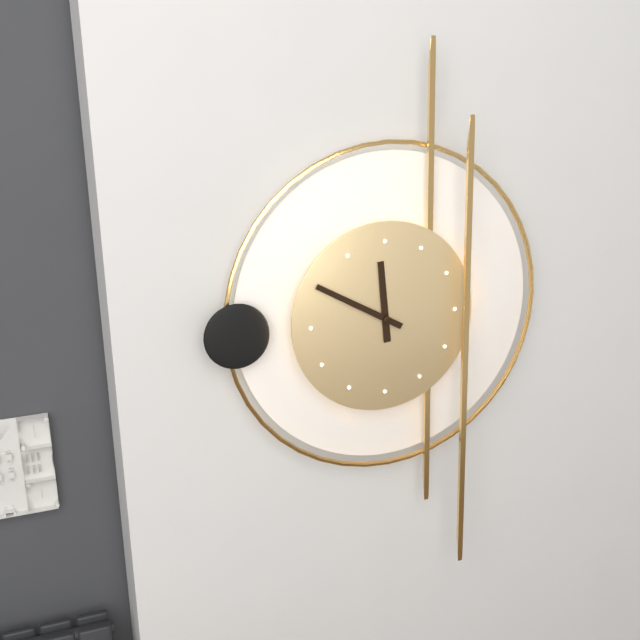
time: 11:50
